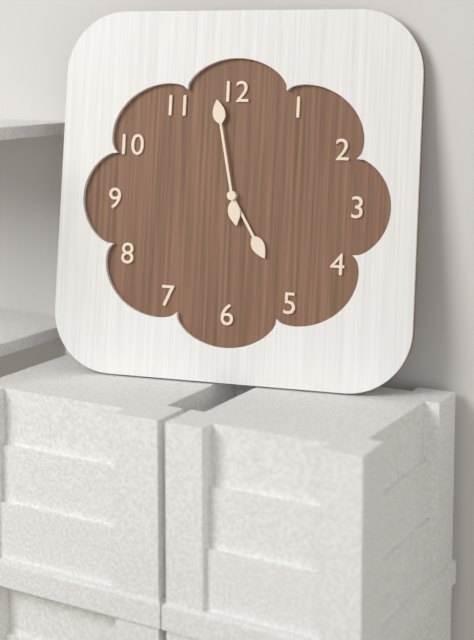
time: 4:58
